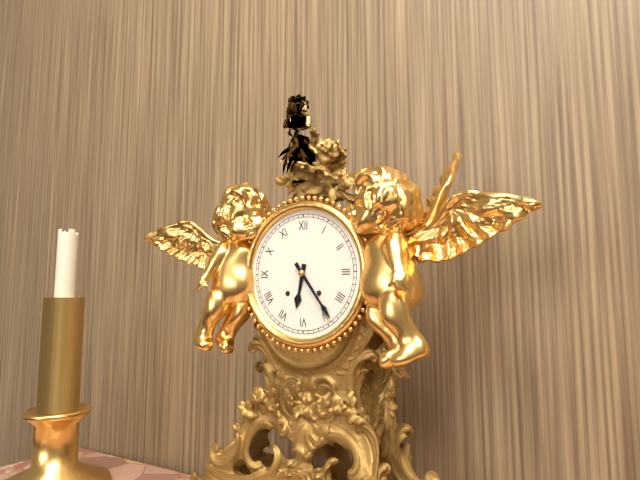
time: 6:24
